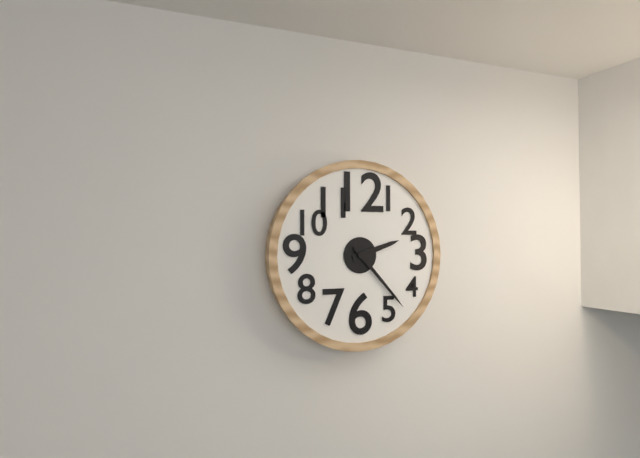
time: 2:23
